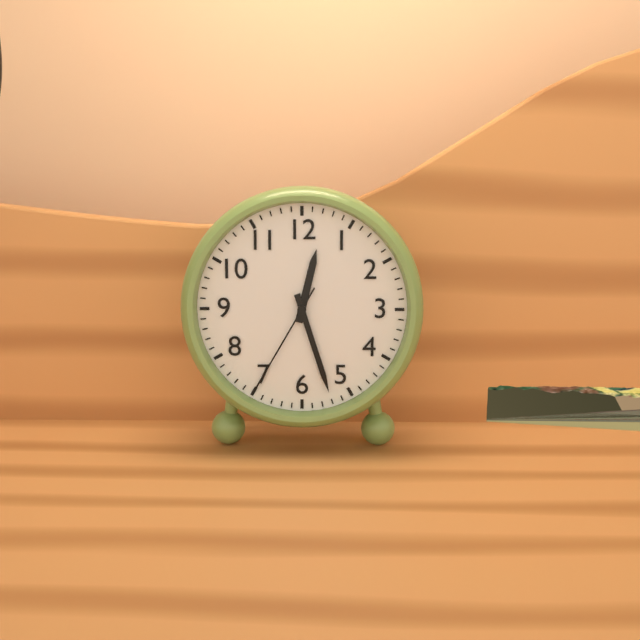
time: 12:27:35
